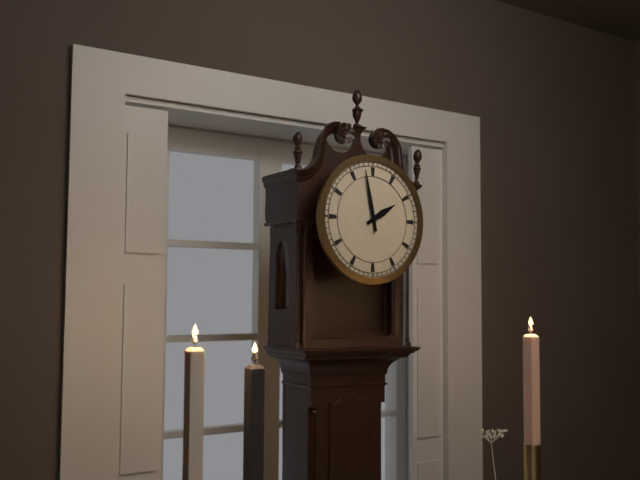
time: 1:58
